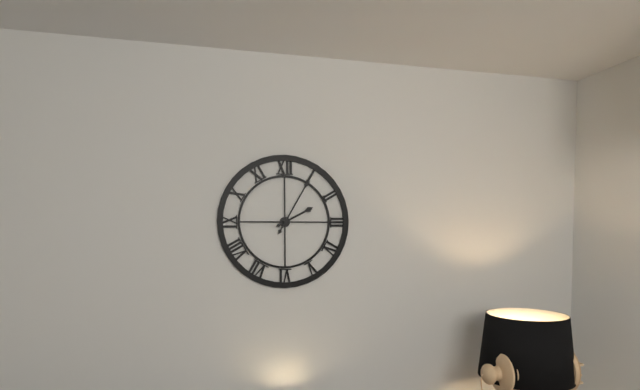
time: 2:05
